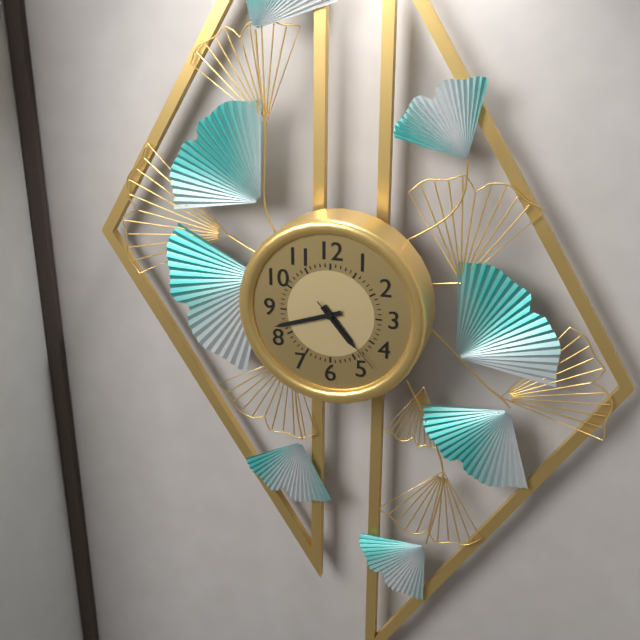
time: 4:42:23
